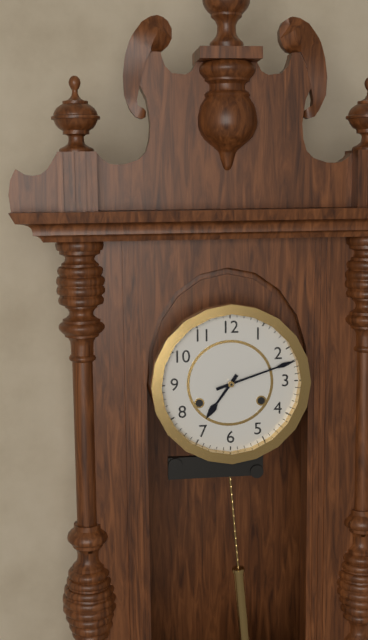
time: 7:12
